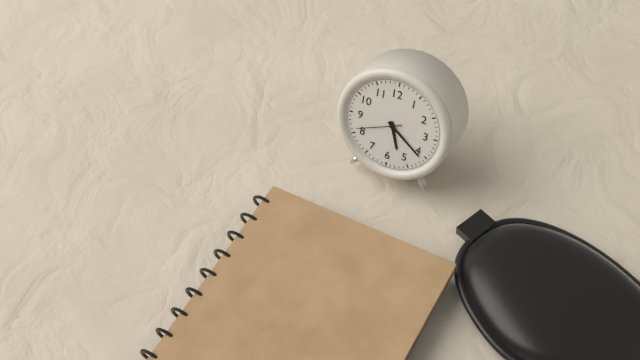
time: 5:21
